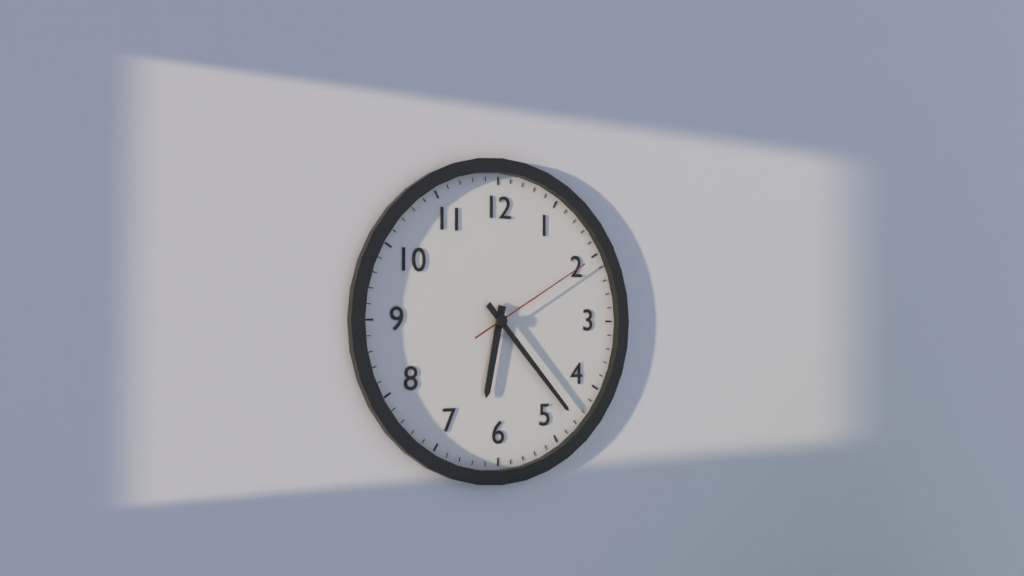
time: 6:23:10
